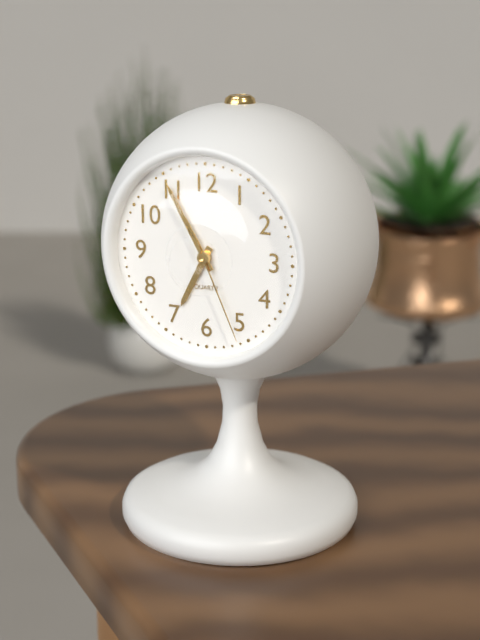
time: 6:55:26
